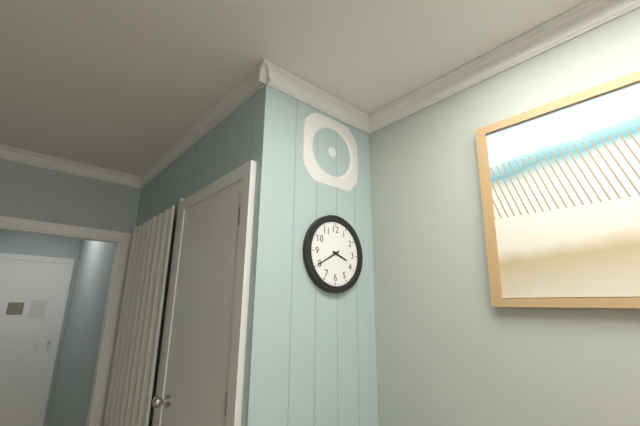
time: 3:40
